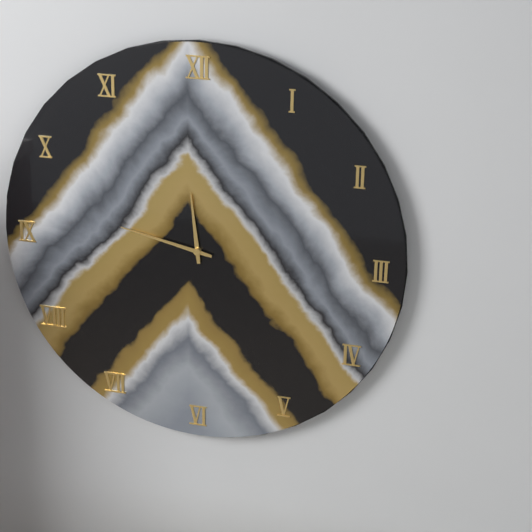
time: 11:47
